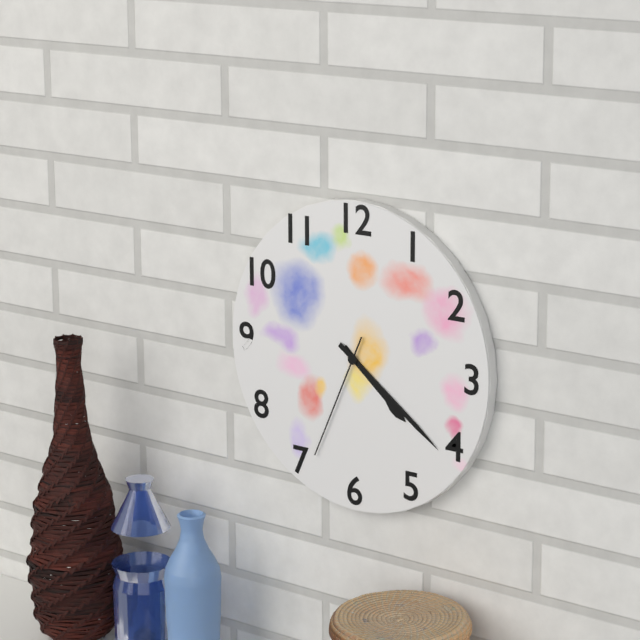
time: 4:21:34
